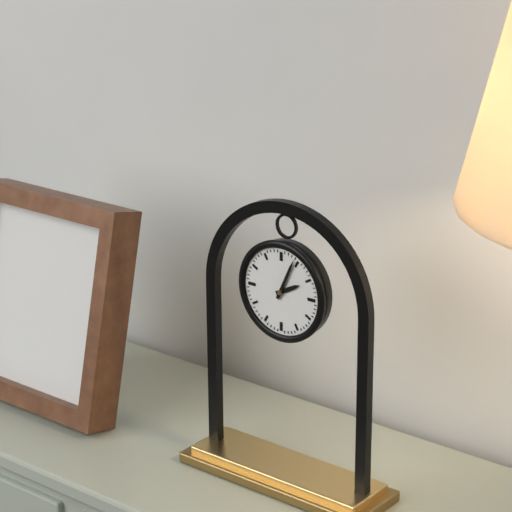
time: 2:04
